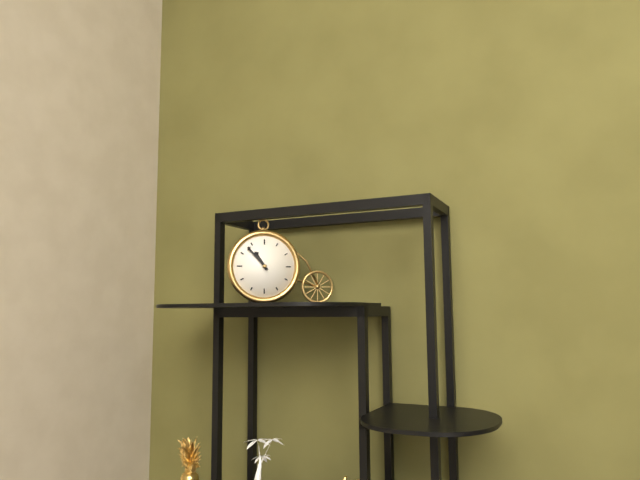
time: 10:53
